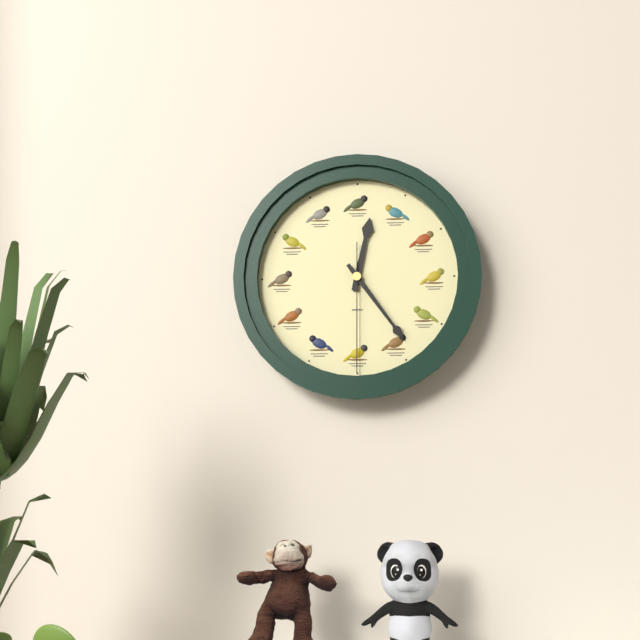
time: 12:24:30
